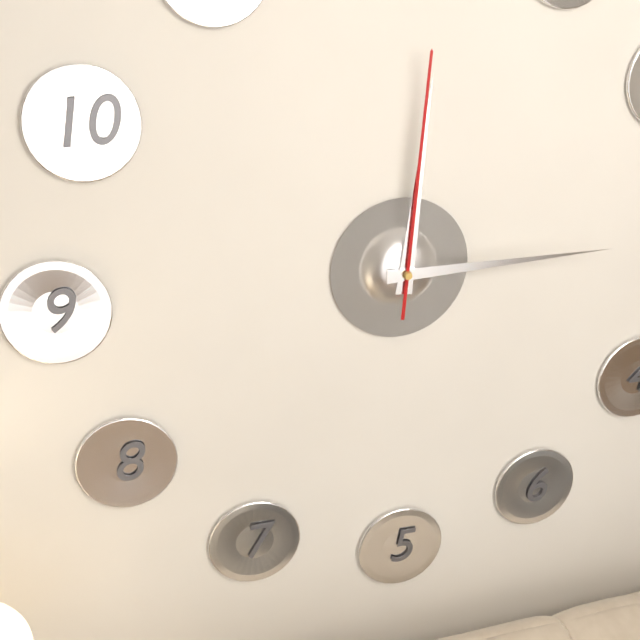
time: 12:15:01
